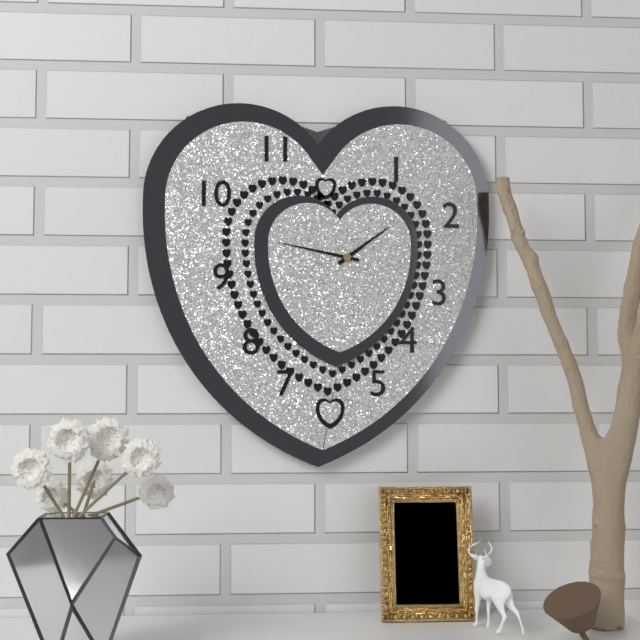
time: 1:47
